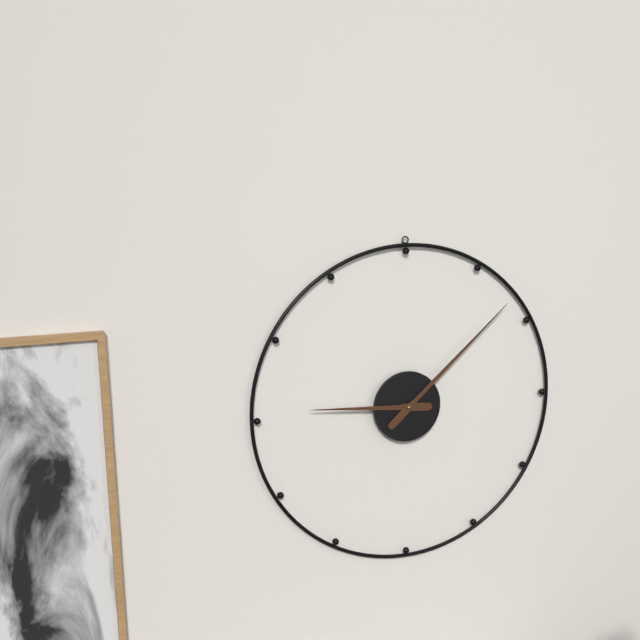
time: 9:08
